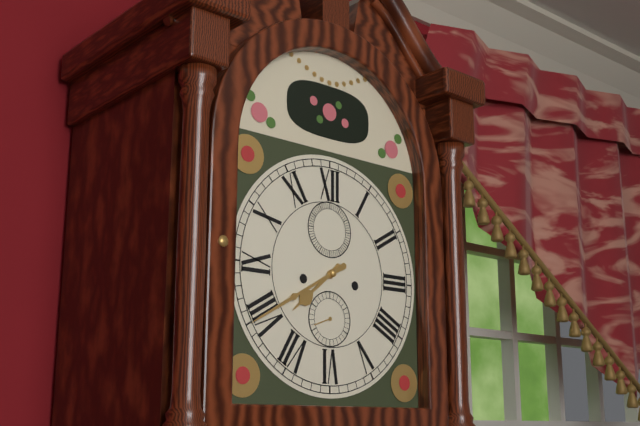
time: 7:40
